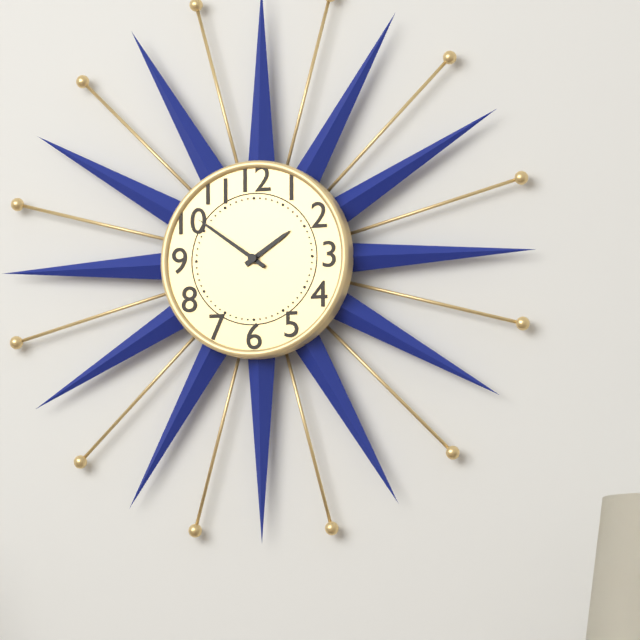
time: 1:51
